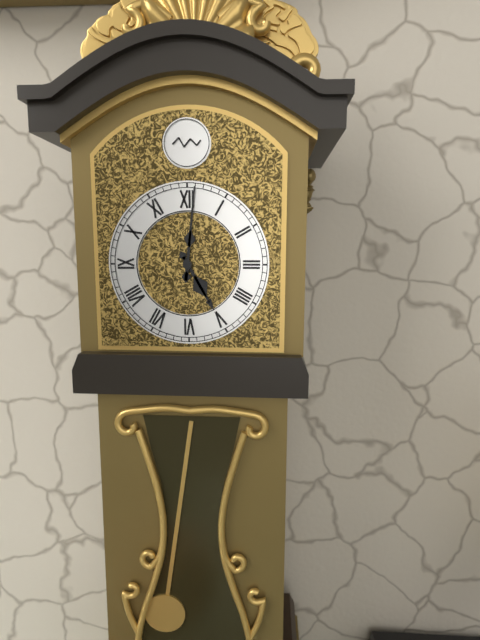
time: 5:01
